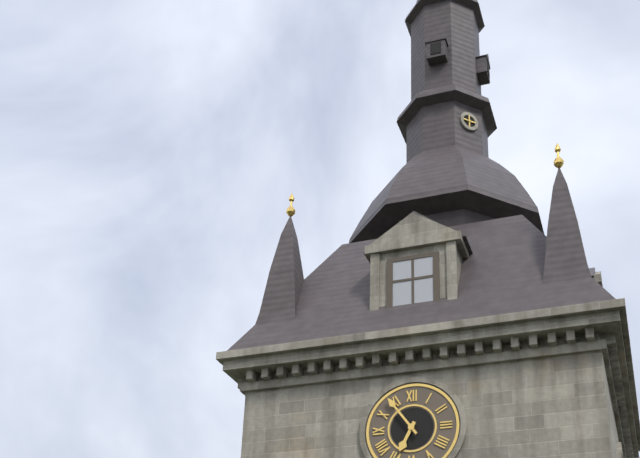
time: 6:54
